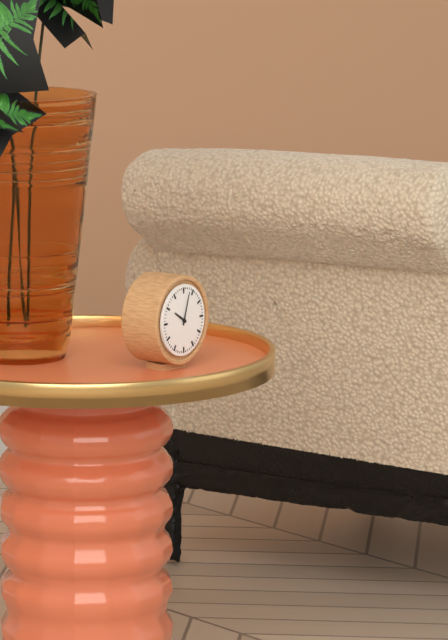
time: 10:03
